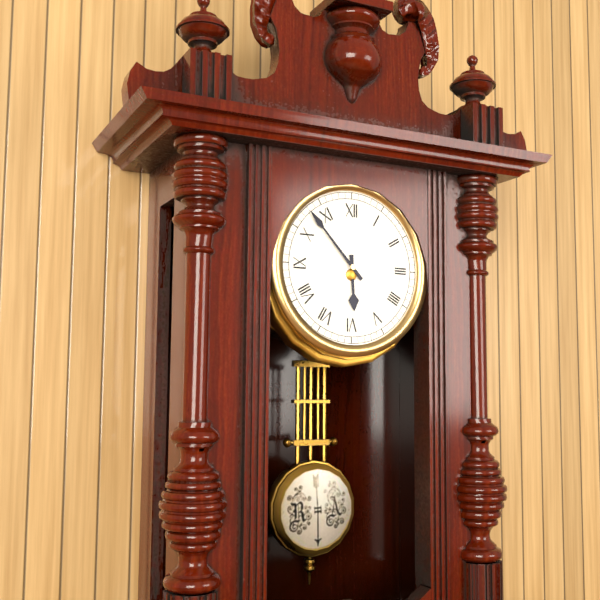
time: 5:53
